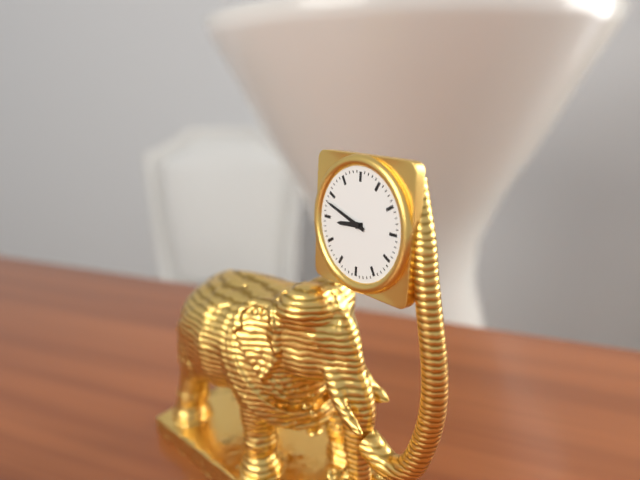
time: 8:48
